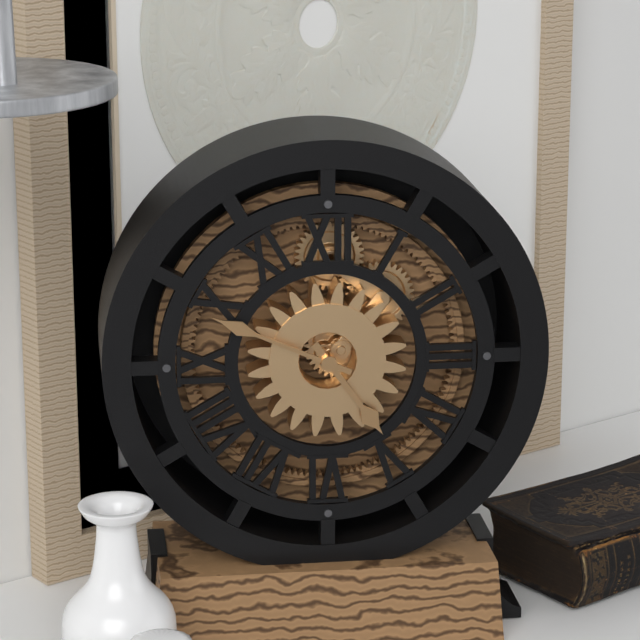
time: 4:49
